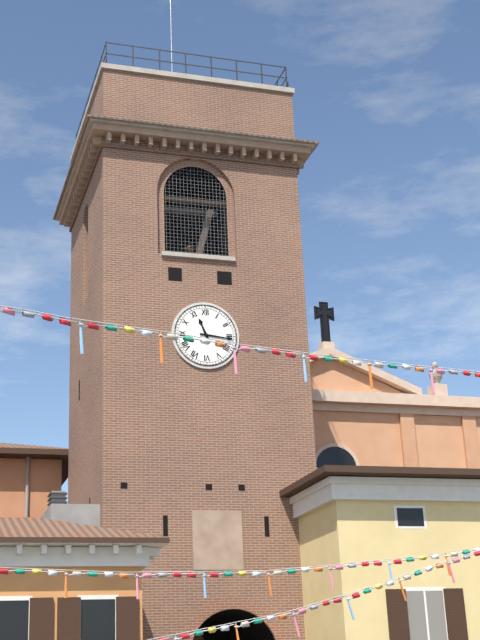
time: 11:16
